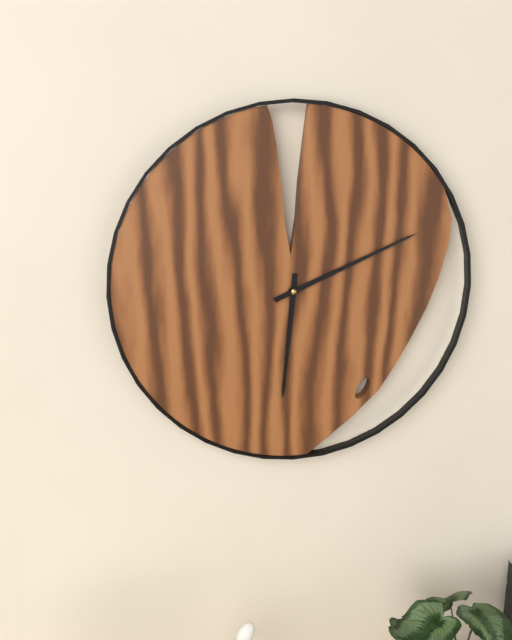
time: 6:11
